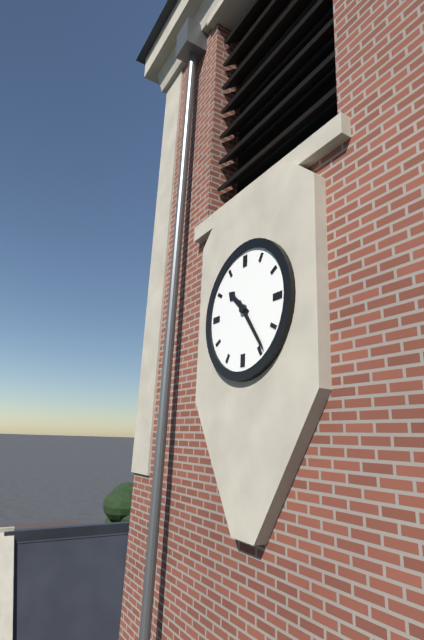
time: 10:24
